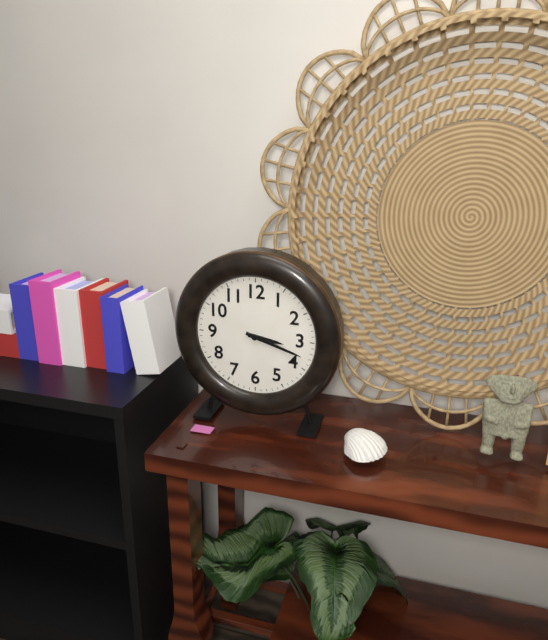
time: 3:18
